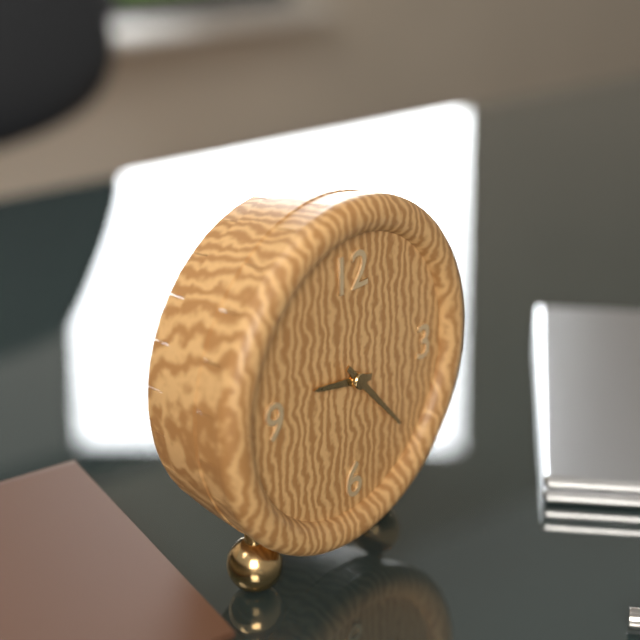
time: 9:23
